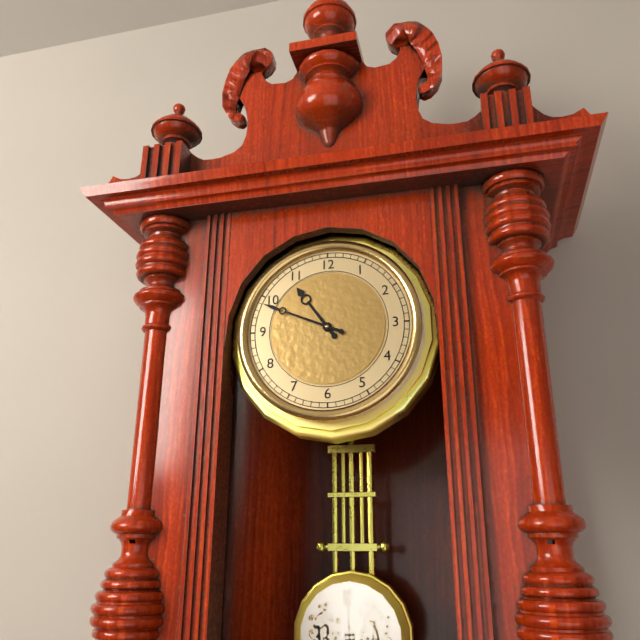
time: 10:49
